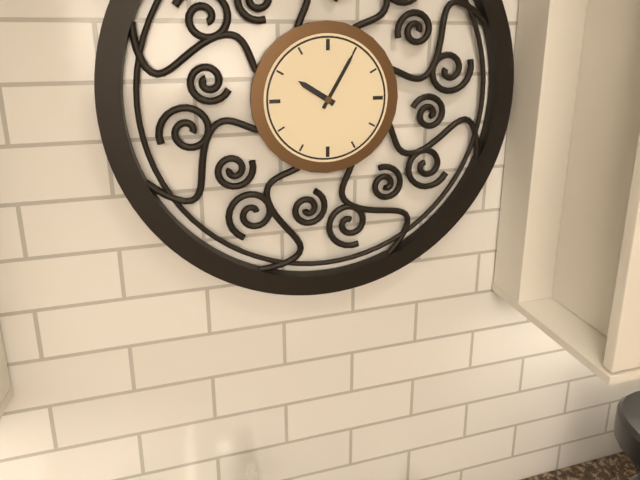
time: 10:05
